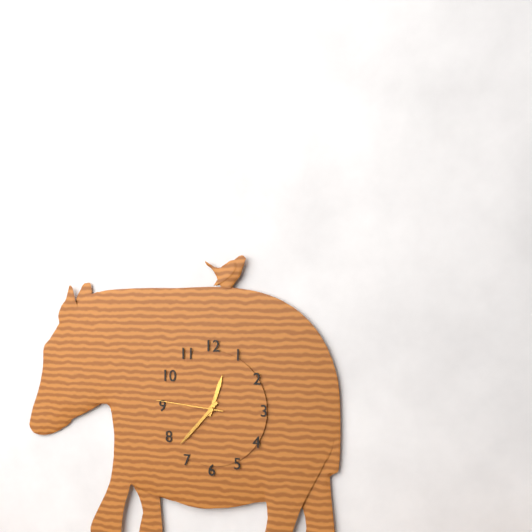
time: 12:37:46
